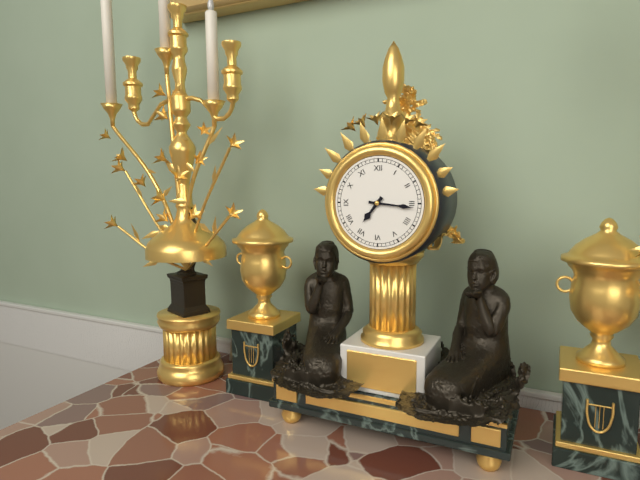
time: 7:16
